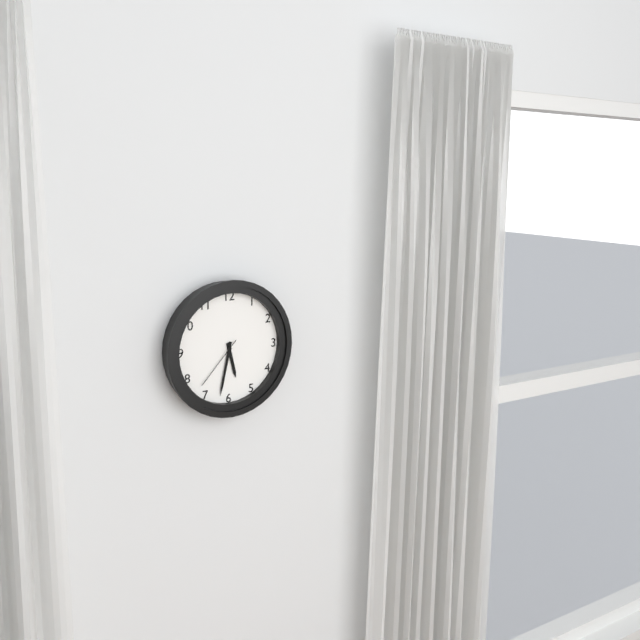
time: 5:32:37
